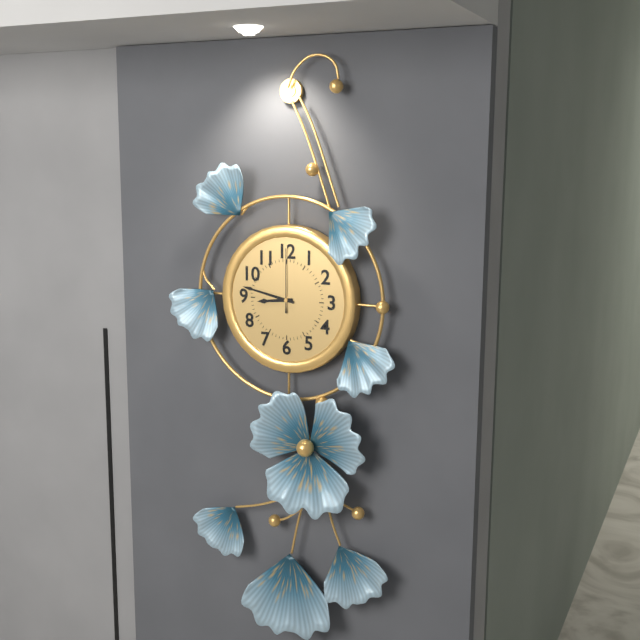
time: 8:47:00
